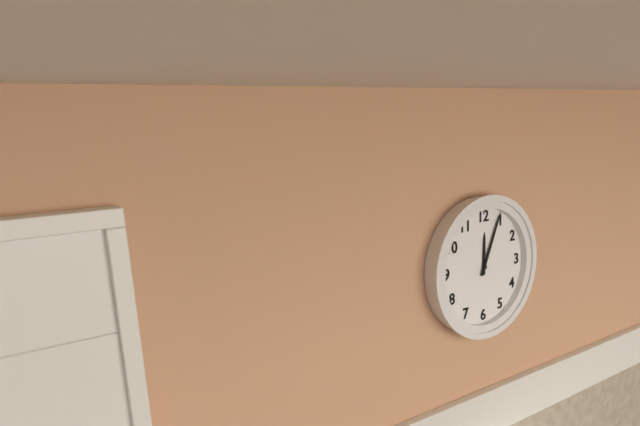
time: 12:04
